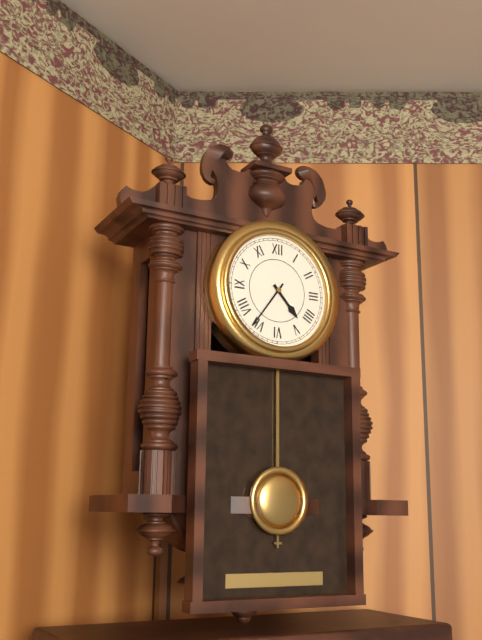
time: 4:36
